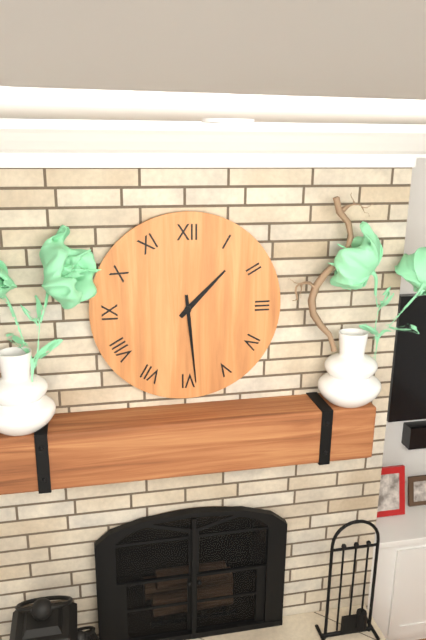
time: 1:29
